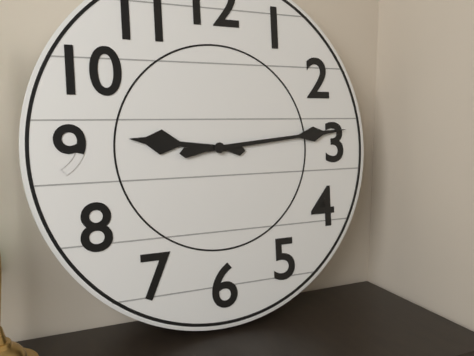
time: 9:14
